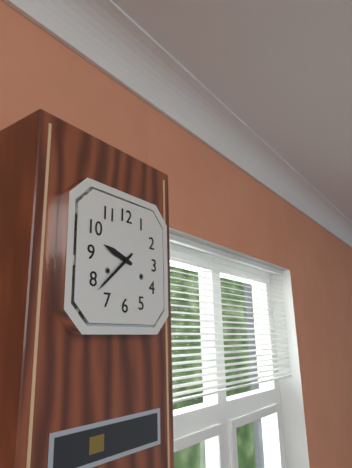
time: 9:38
